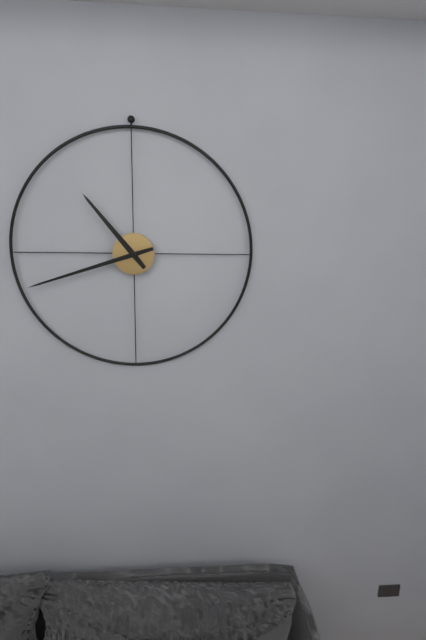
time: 10:42
